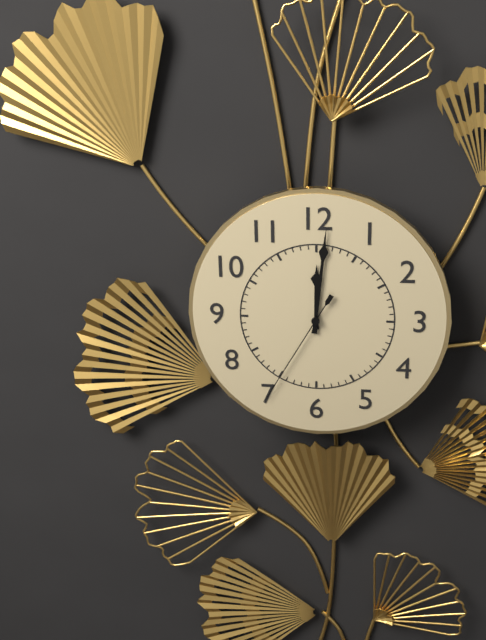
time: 12:01:35
